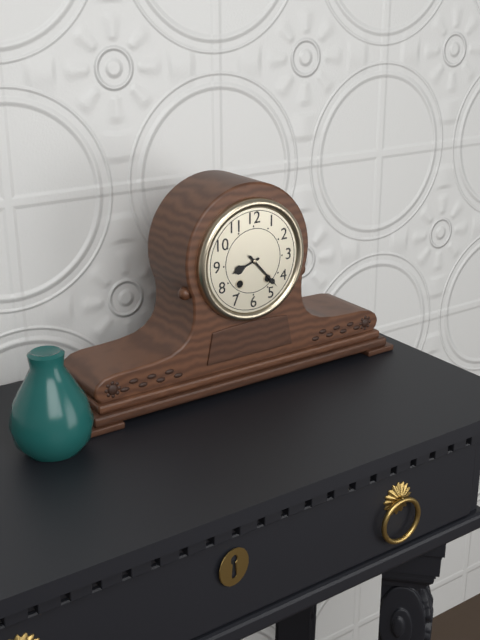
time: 8:23
